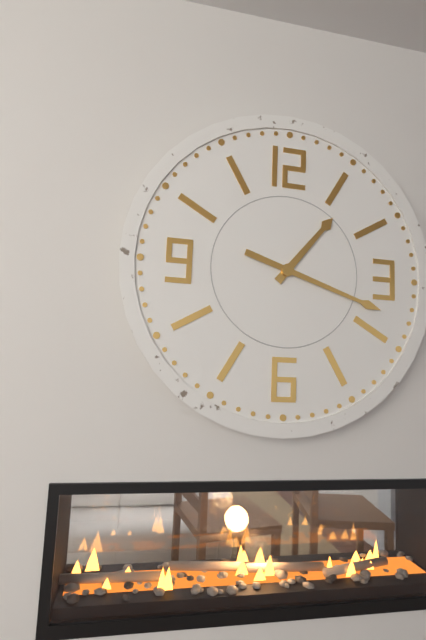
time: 1:18
